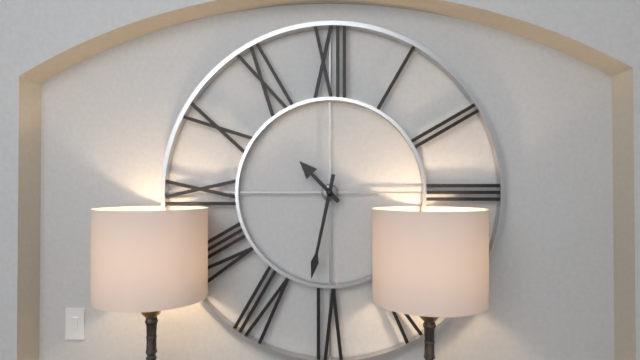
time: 10:32
